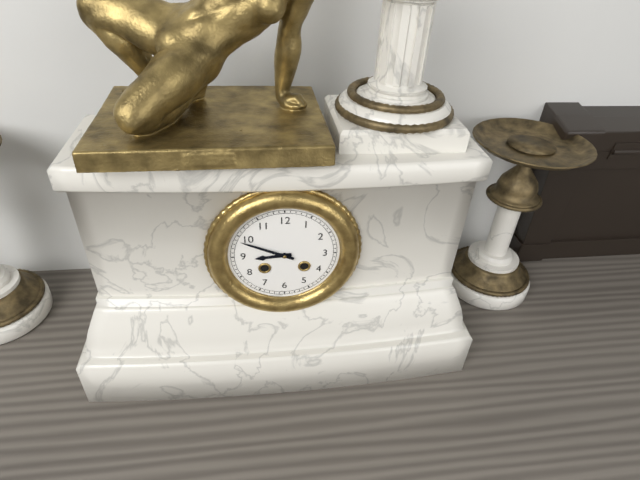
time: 8:49
